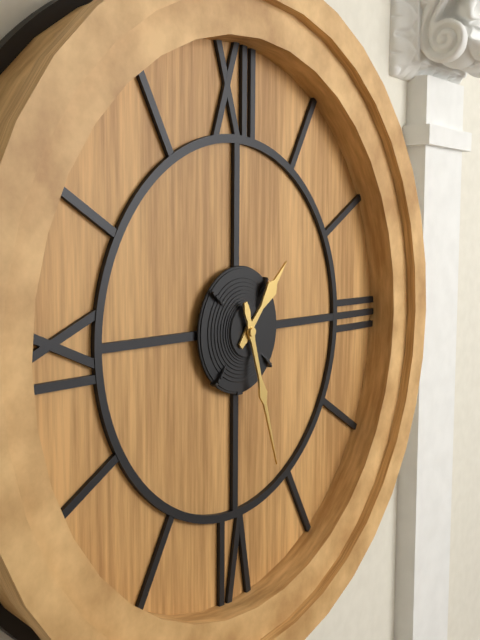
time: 1:27
